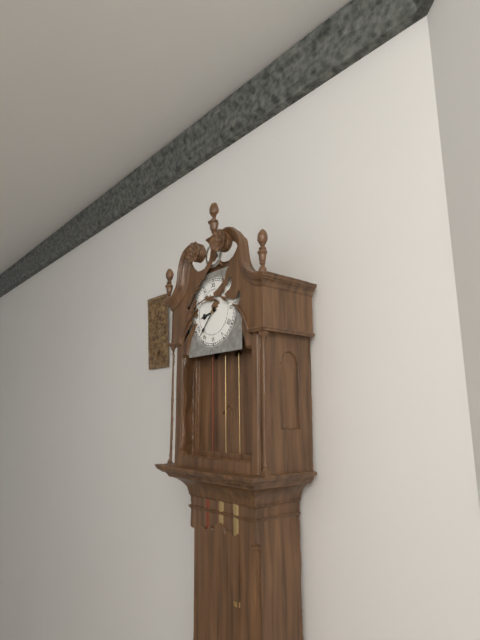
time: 8:37
